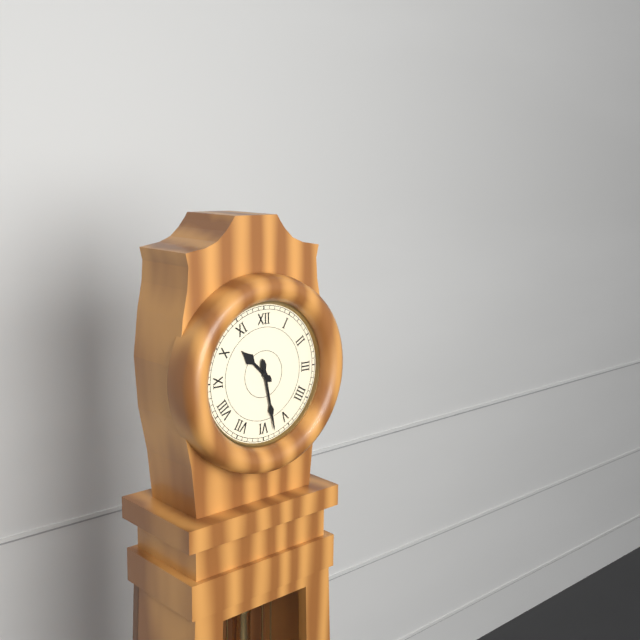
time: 10:28
